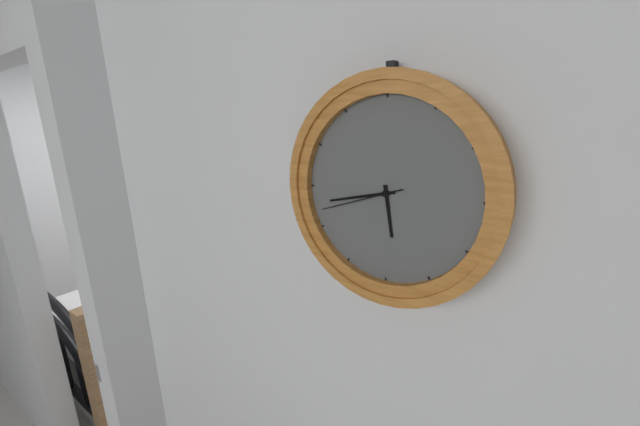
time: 5:43:42
